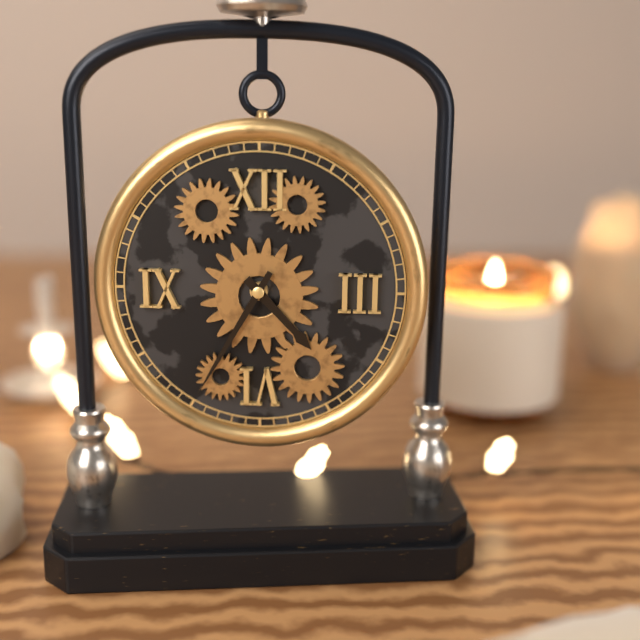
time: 4:35
